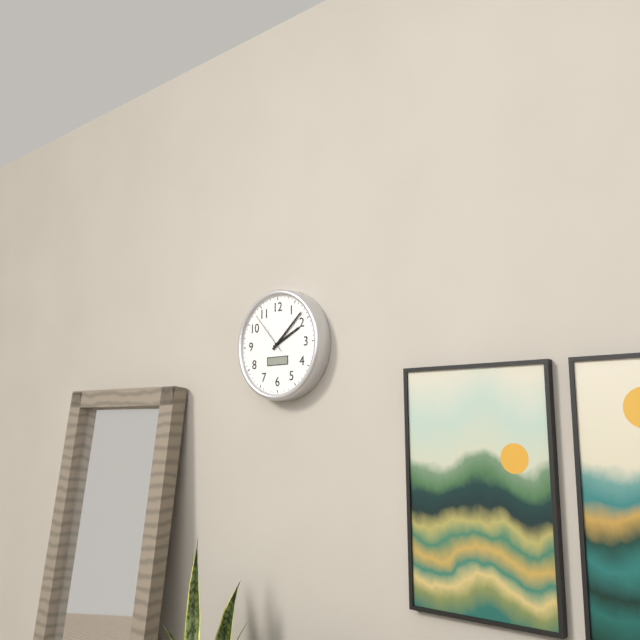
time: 2:08
